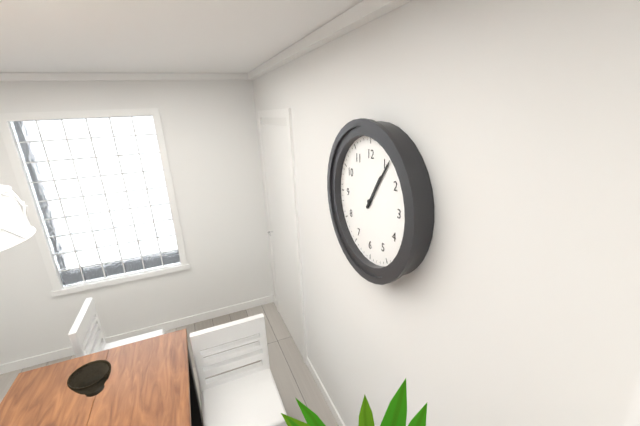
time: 1:06
